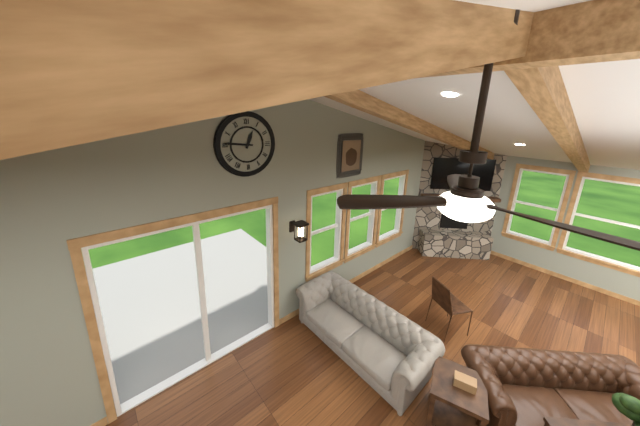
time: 12:46
